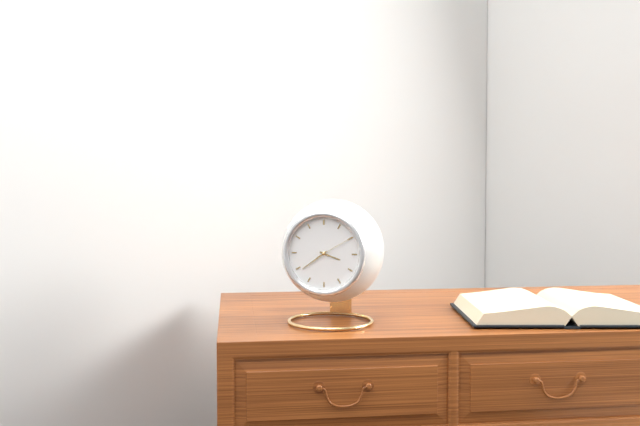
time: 3:39
